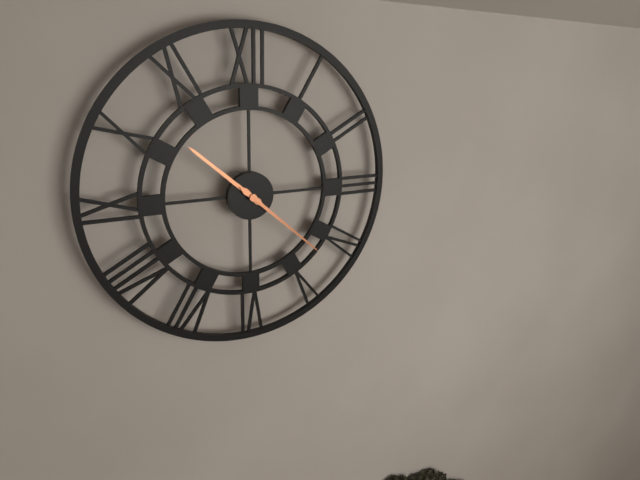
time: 10:22
